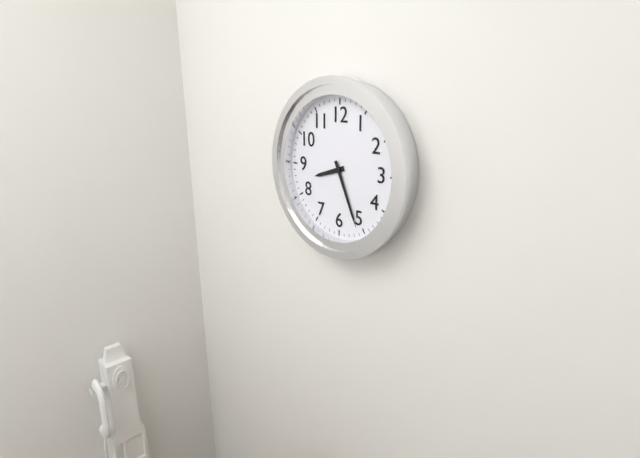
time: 8:26
